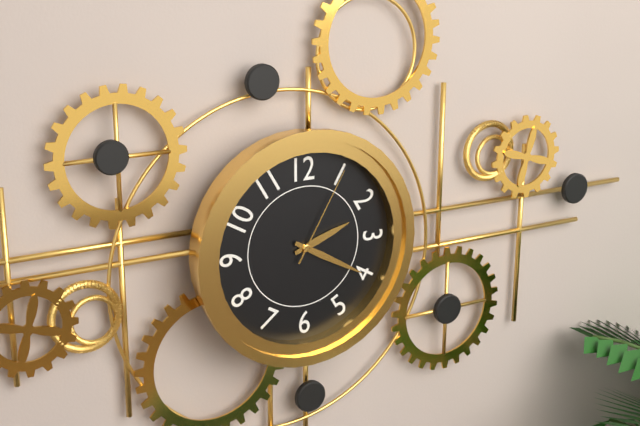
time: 2:20:05
